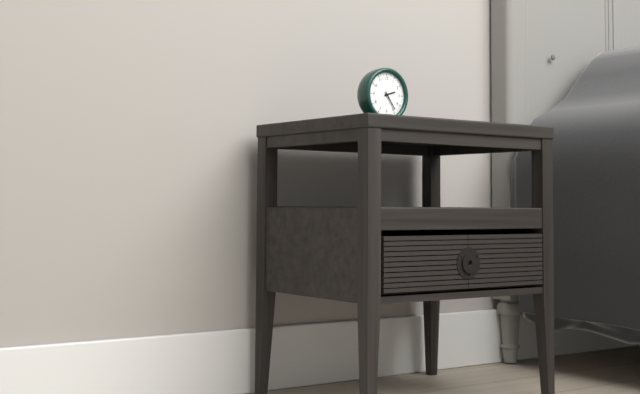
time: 2:24
